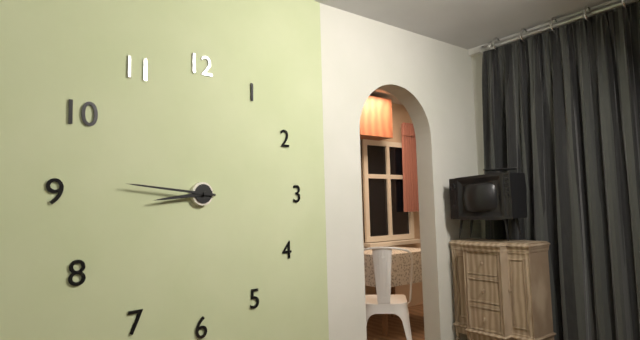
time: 8:46
